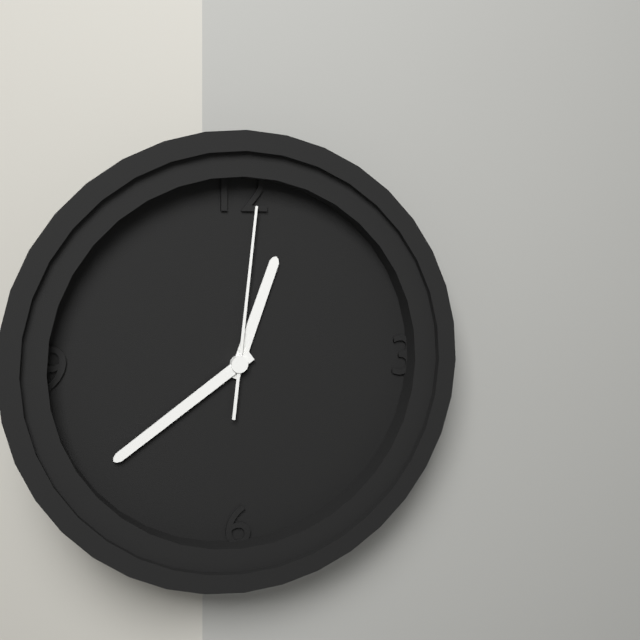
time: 12:39:01
